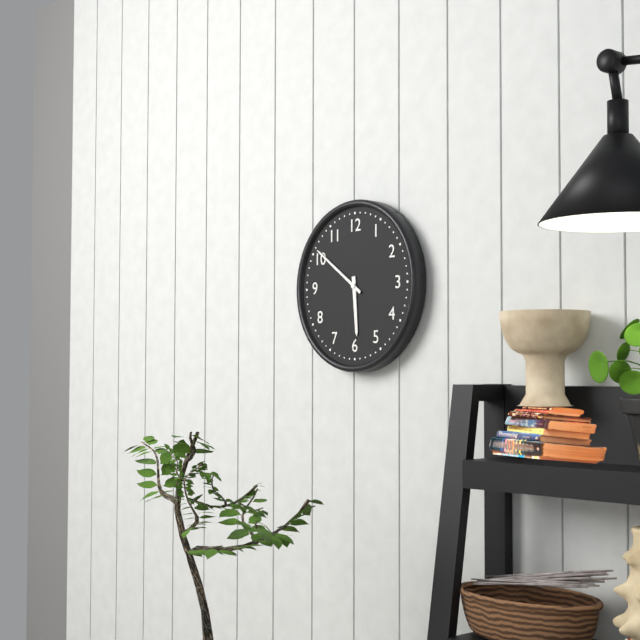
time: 5:51
